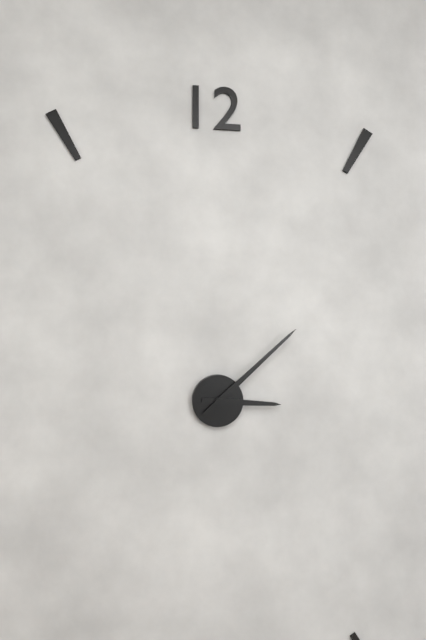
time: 3:08
